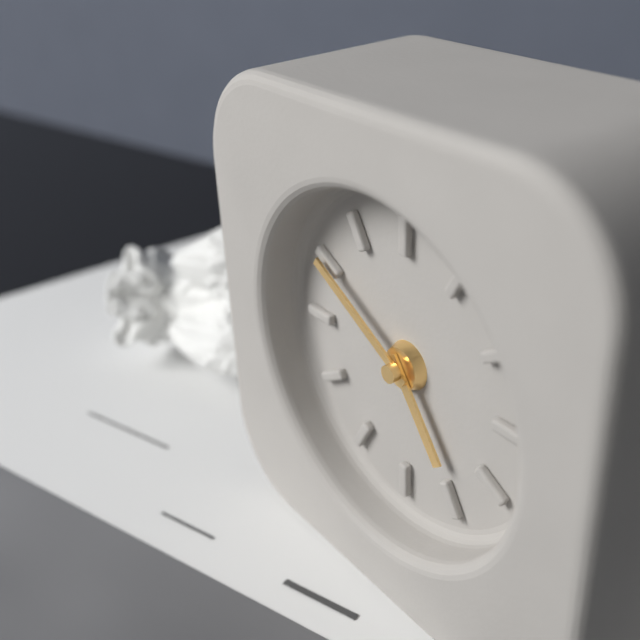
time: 4:50
